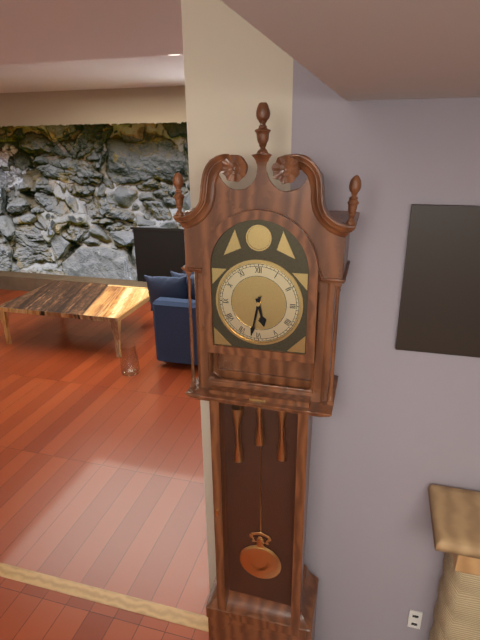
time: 5:32
